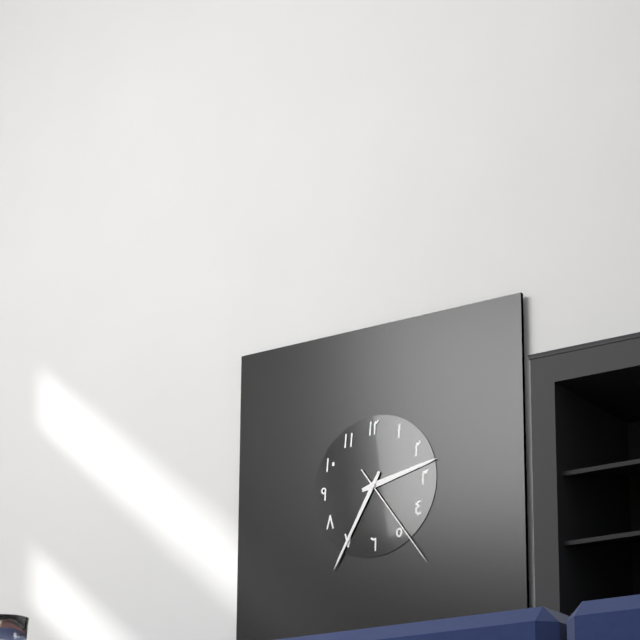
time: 2:35:24
